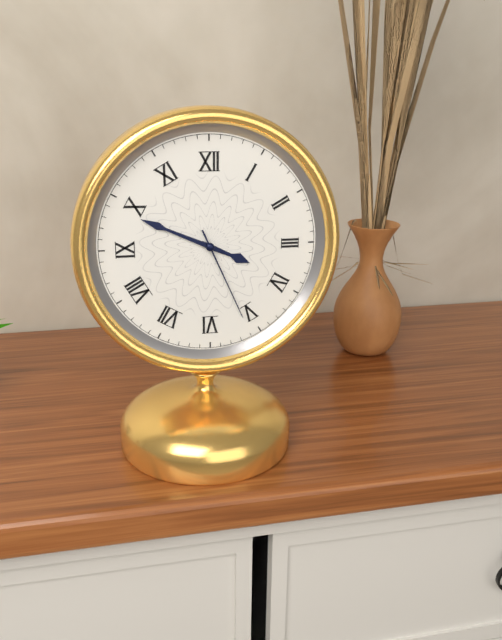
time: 3:49:26
